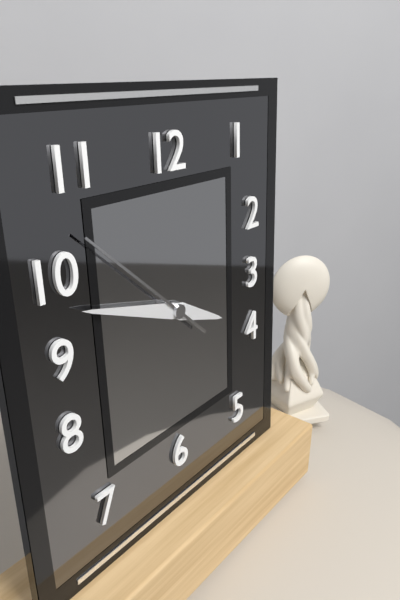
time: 3:48:52
